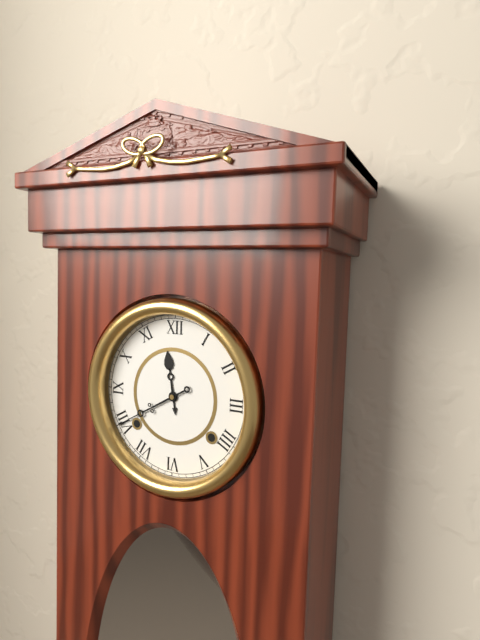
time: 11:40
